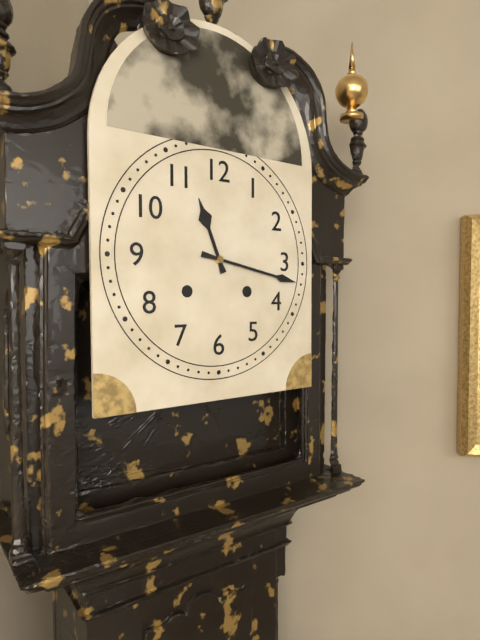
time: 11:17
